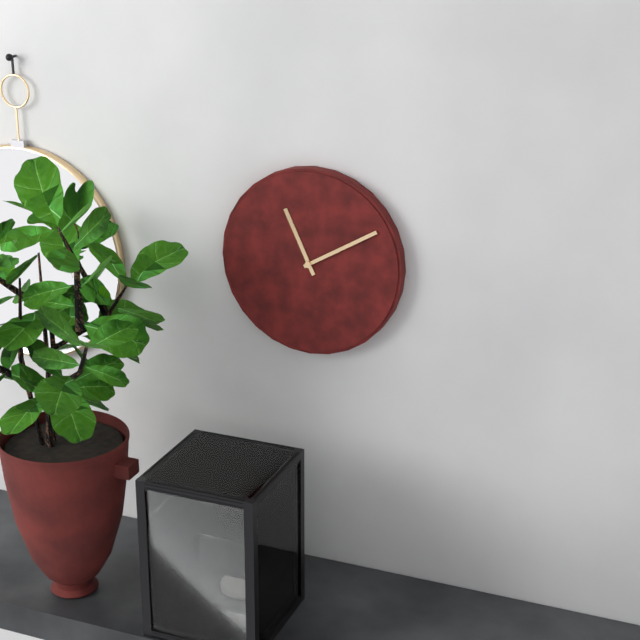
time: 11:10
